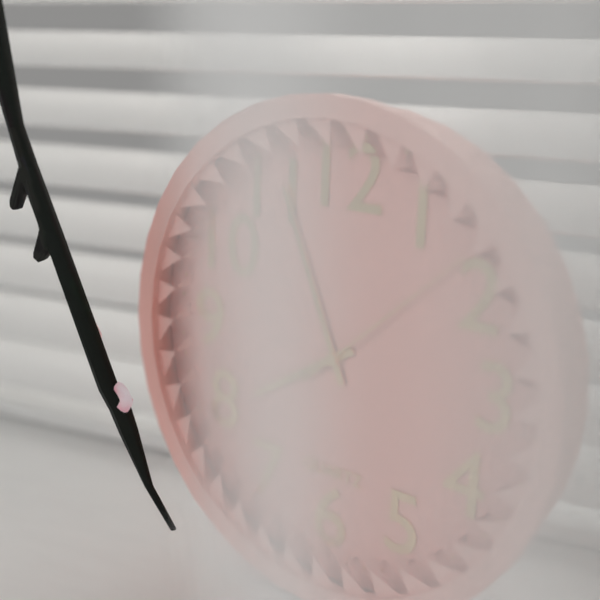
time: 7:56:08
